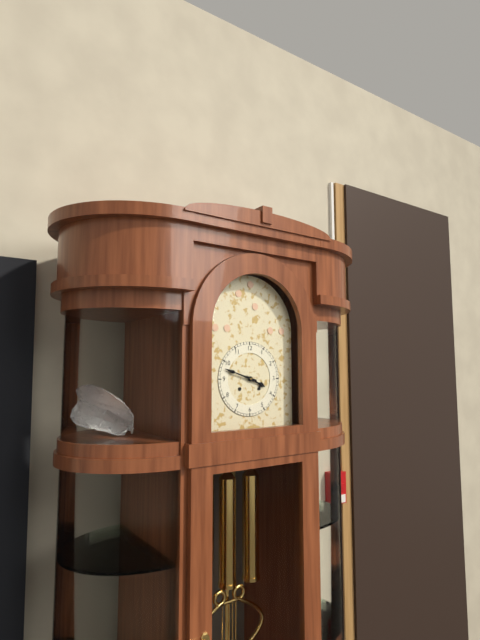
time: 3:48
